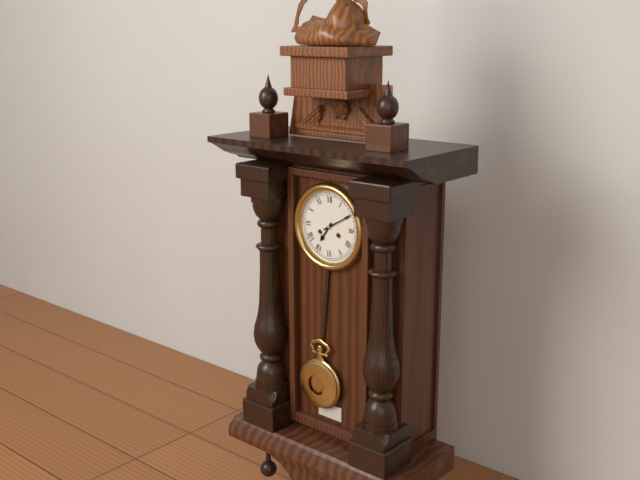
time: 7:10
